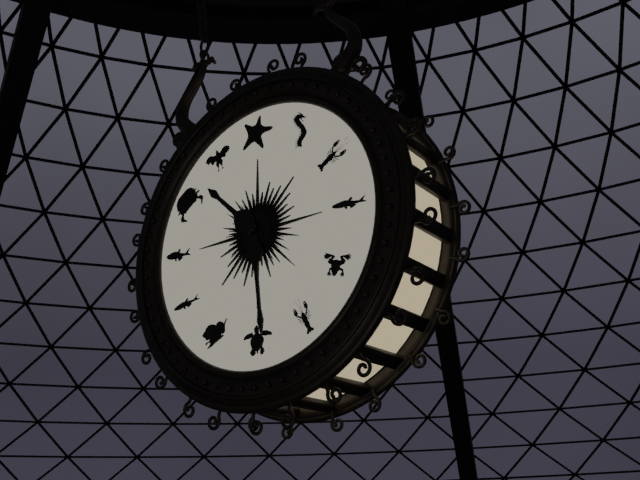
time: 10:29
